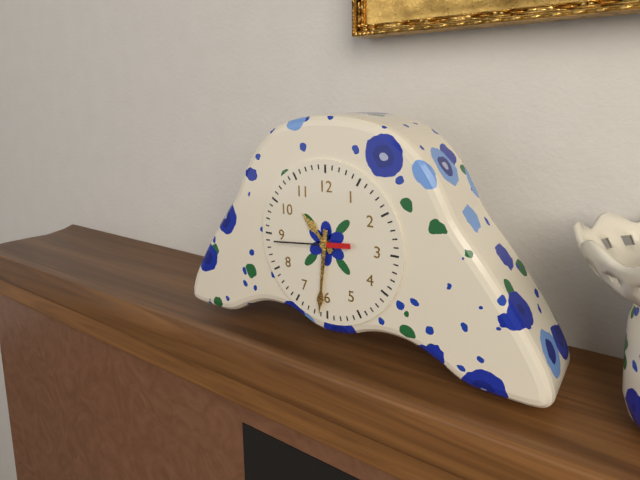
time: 10:31:44
